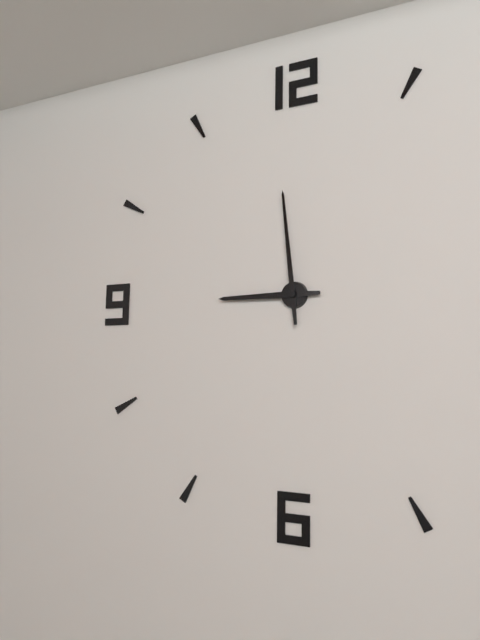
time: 8:59
